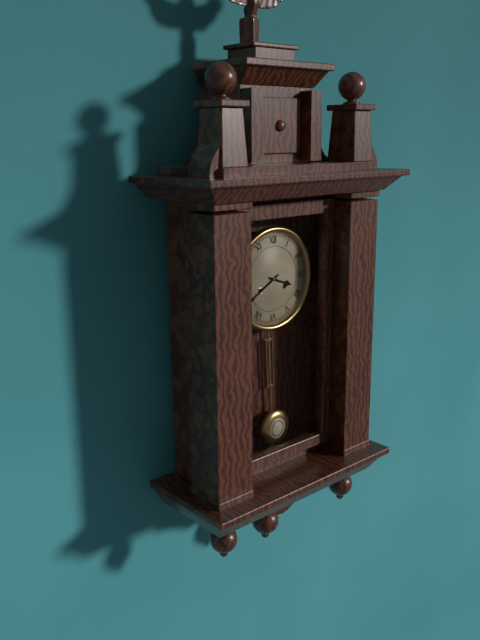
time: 3:40
